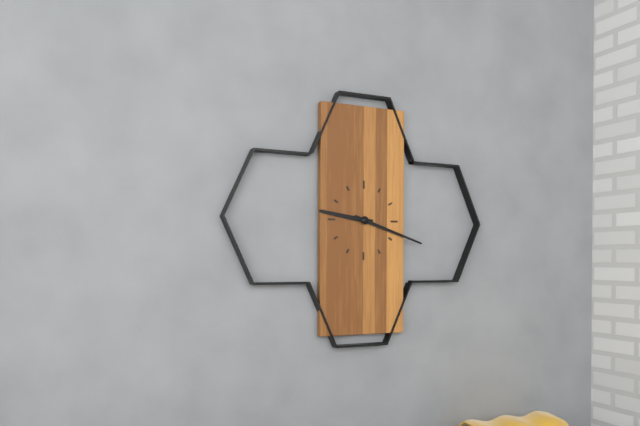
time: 9:18
